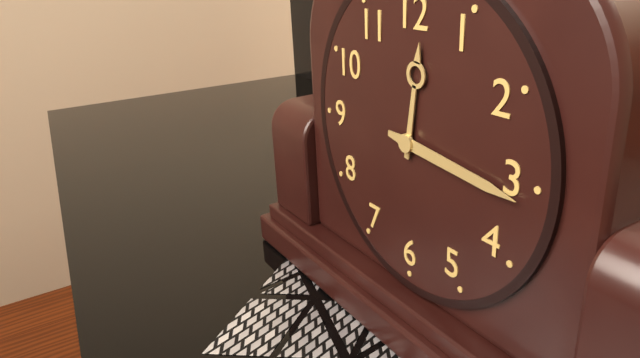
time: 12:16
